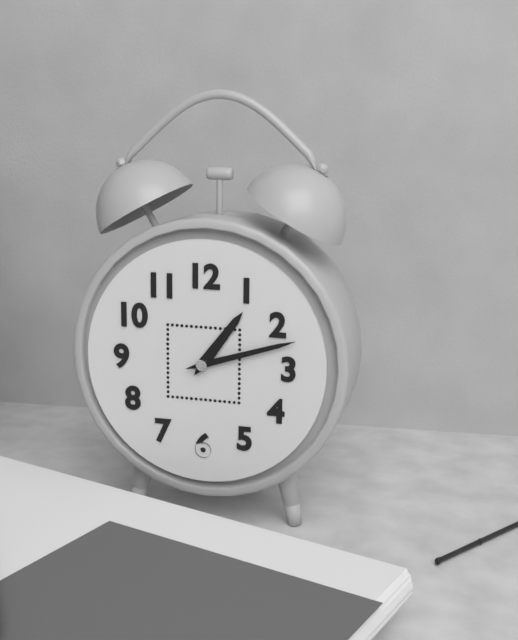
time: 1:12
